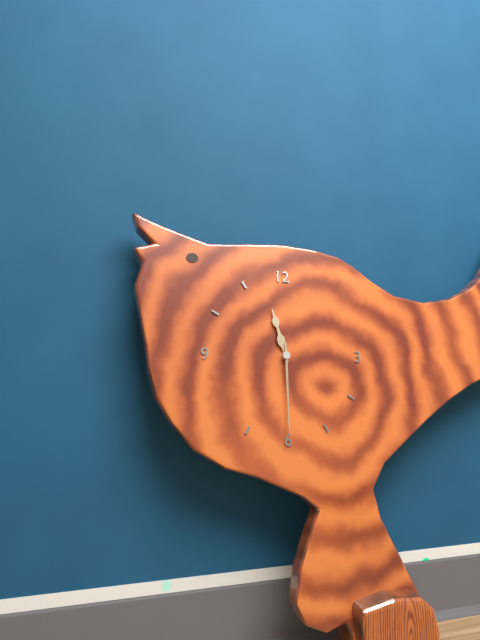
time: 11:30
